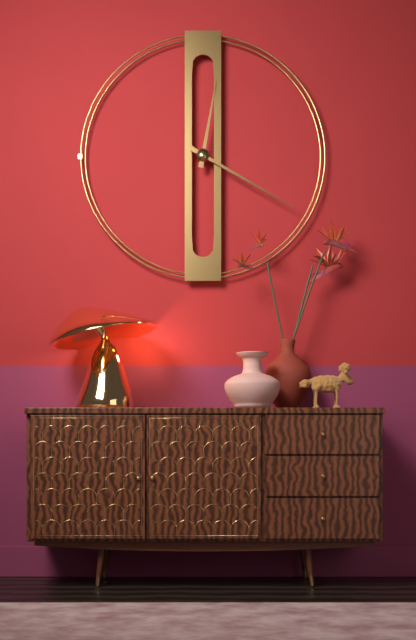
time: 12:20
